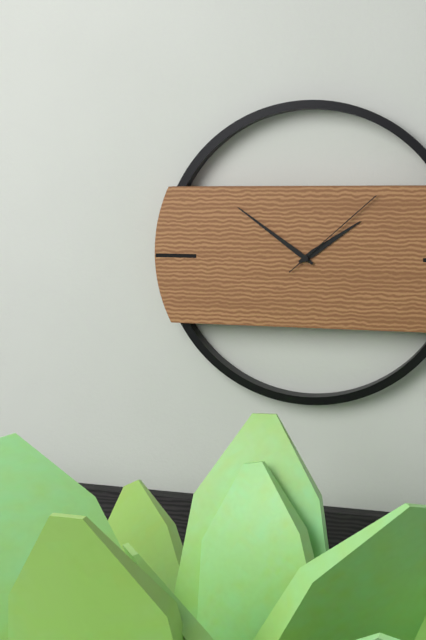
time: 1:51:08
